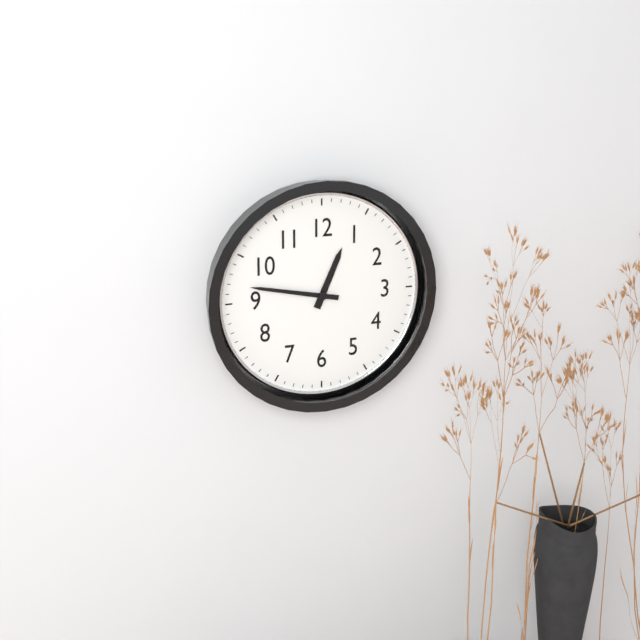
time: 12:47
